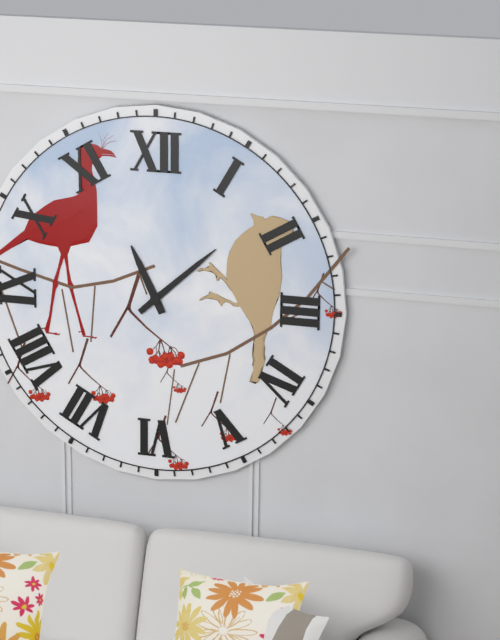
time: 11:08
